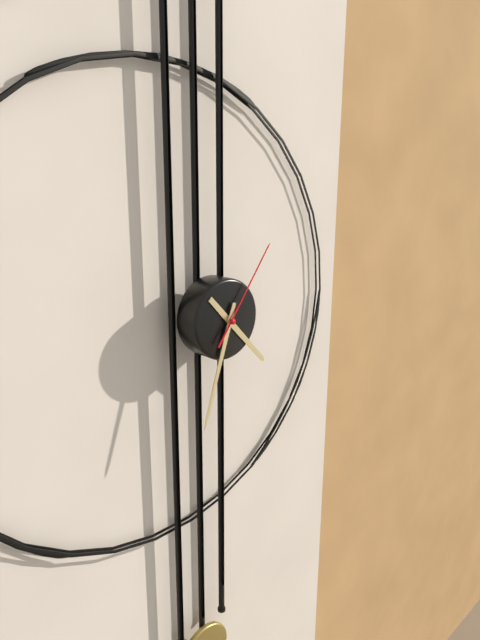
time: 4:33:06
